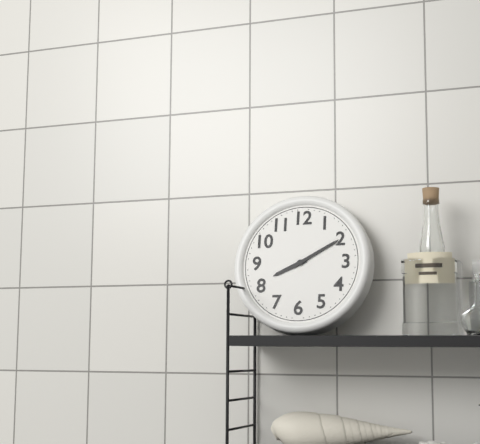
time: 8:10
